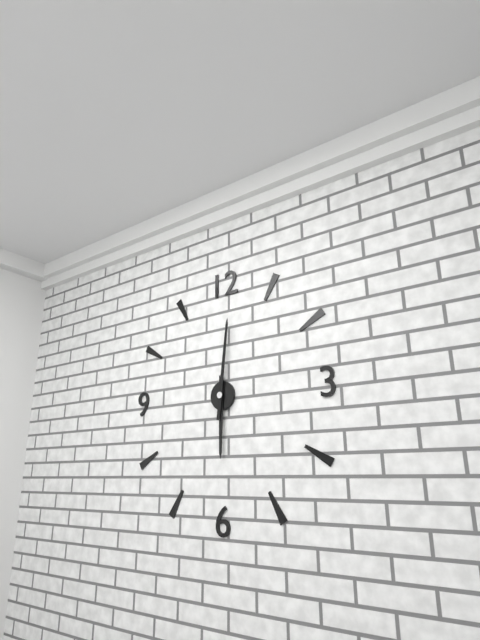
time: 6:01
